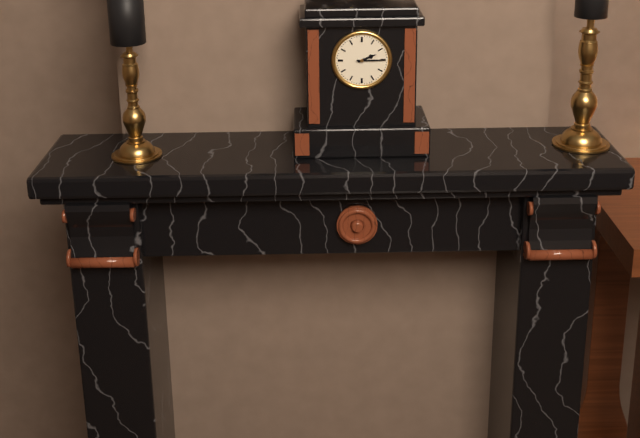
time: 2:15
